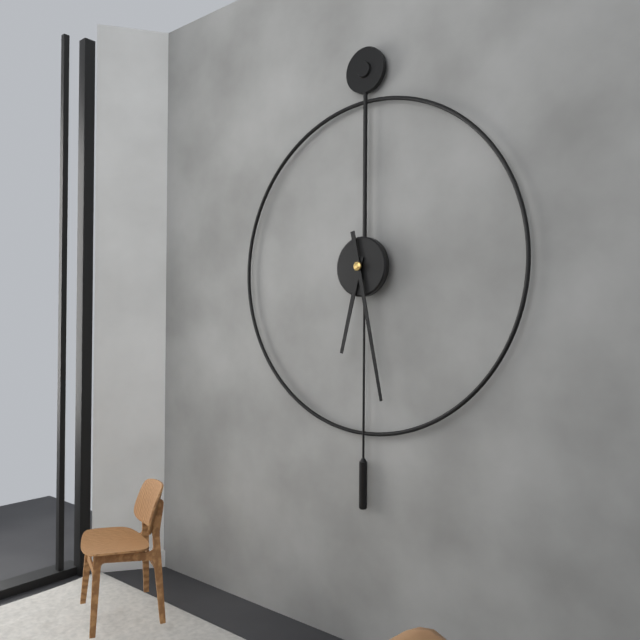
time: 6:28
